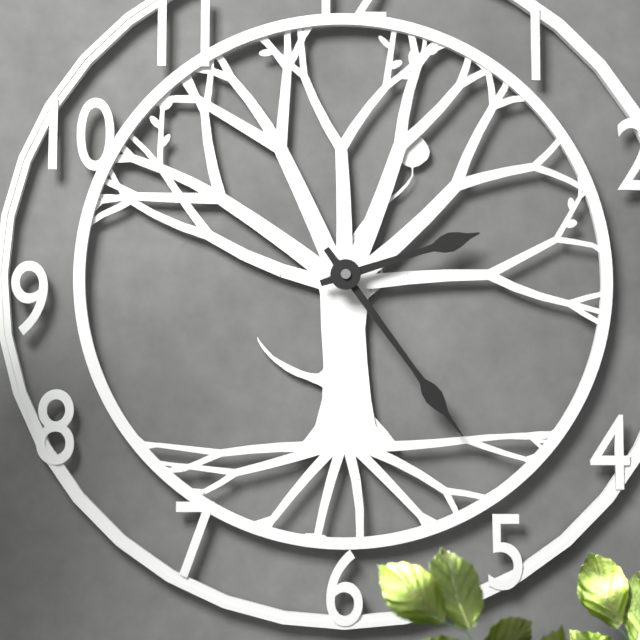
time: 2:24
